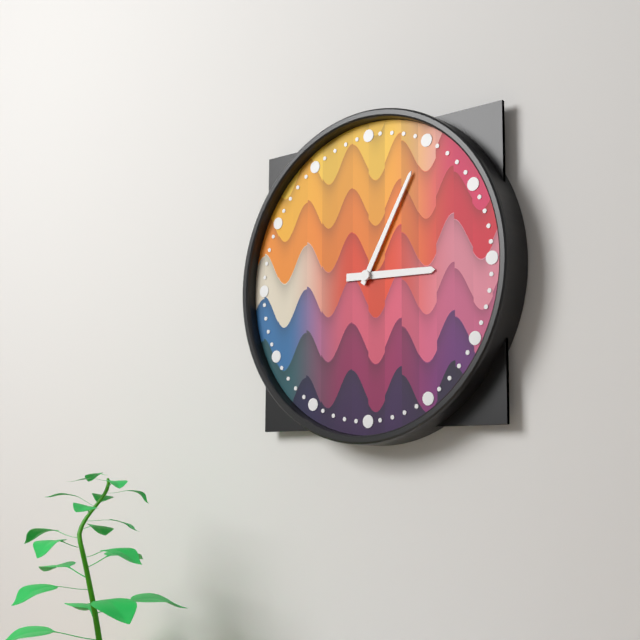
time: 3:05
